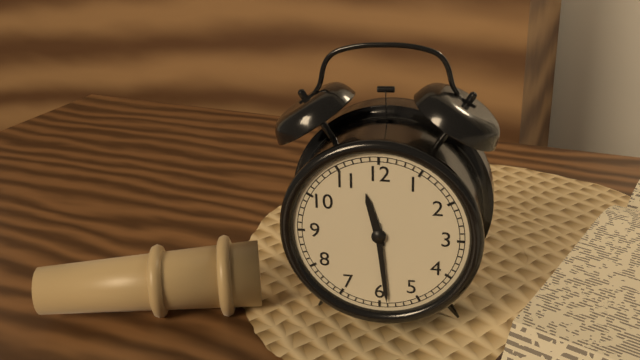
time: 11:29
